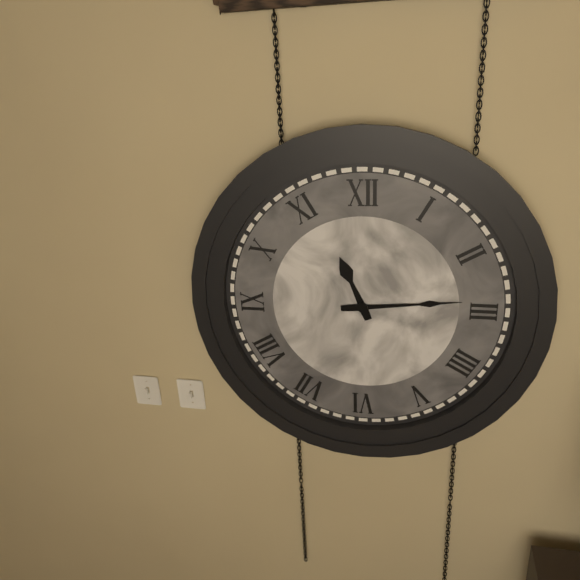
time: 11:14
